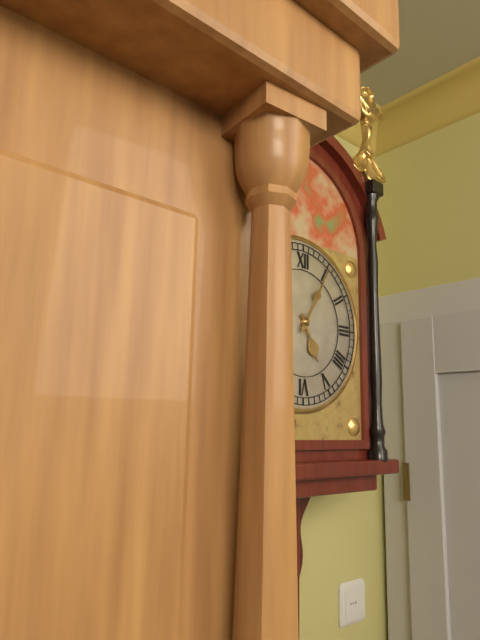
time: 5:05
